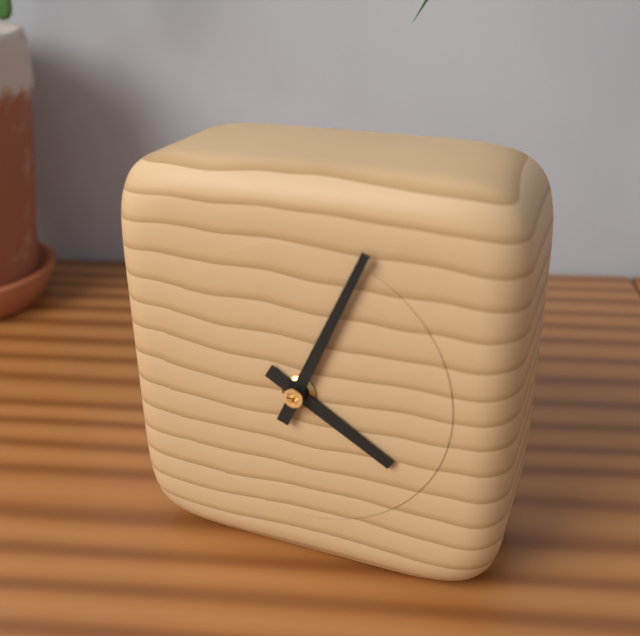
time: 4:04
